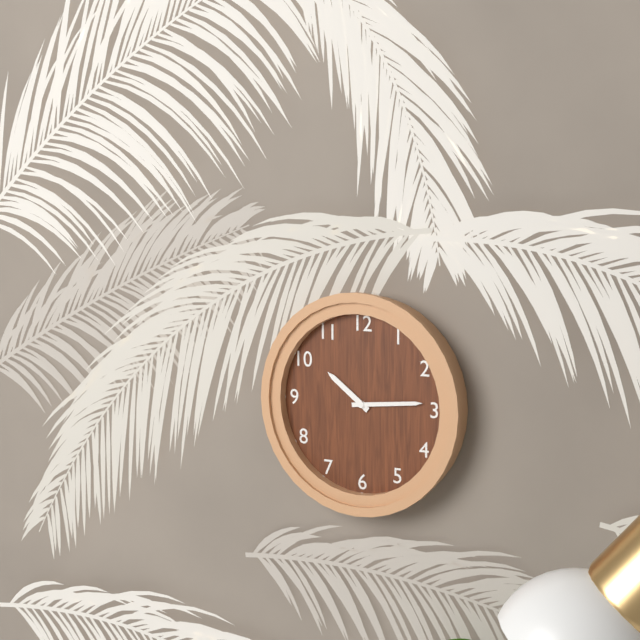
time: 10:14
